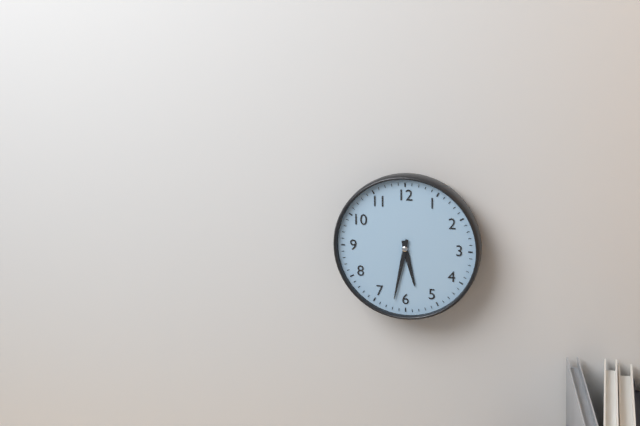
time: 5:32
